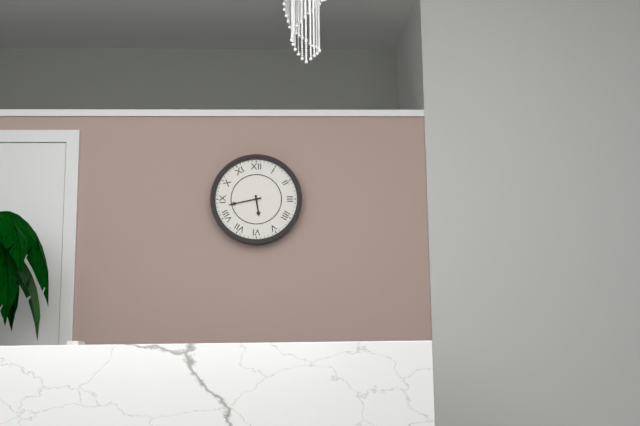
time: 5:43
